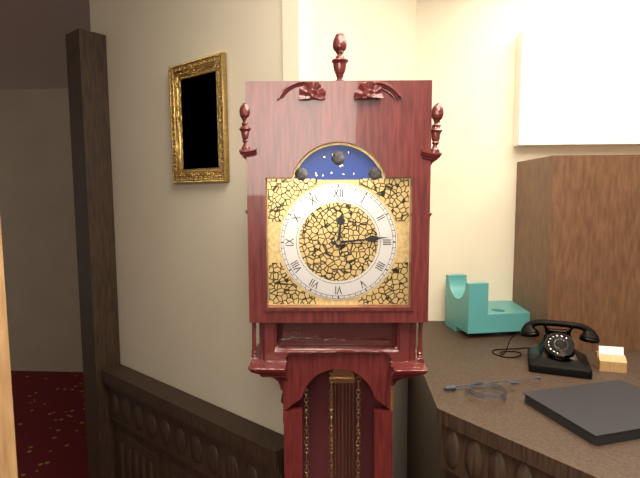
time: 12:14
